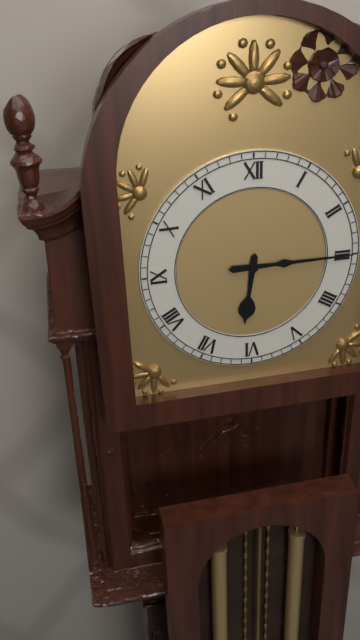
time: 6:15
